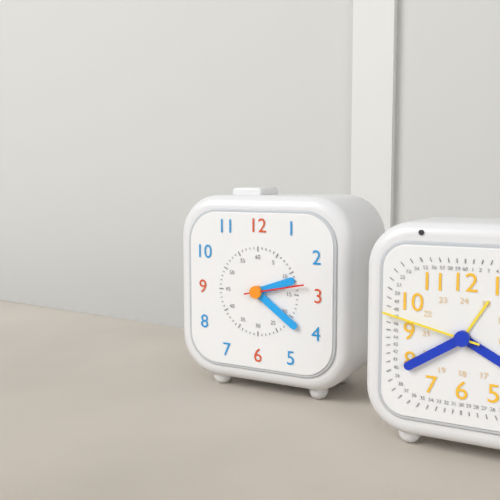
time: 2:21:13
